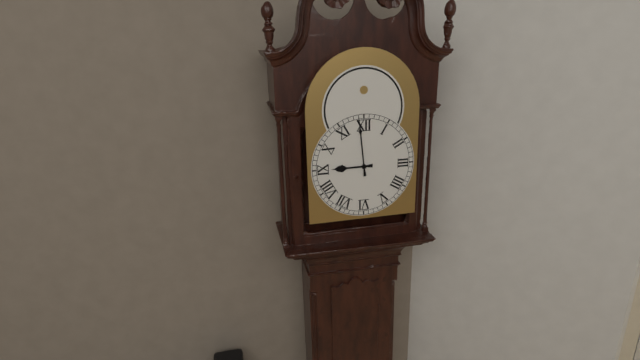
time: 8:59
